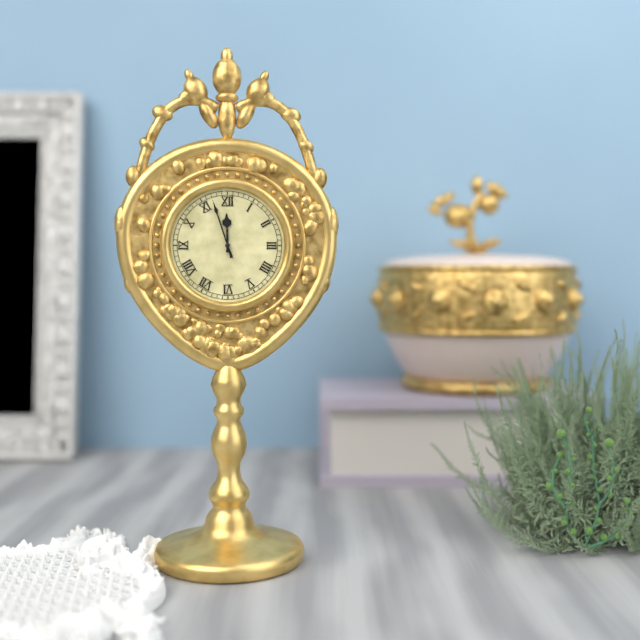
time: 11:57
